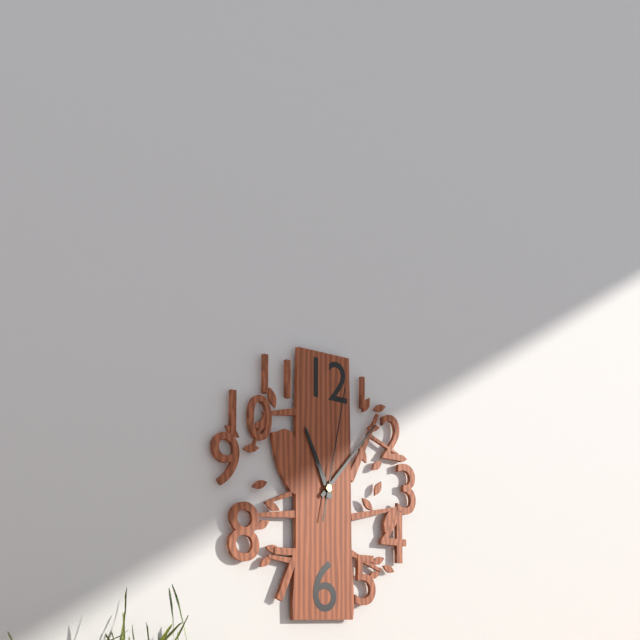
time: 11:07:02
